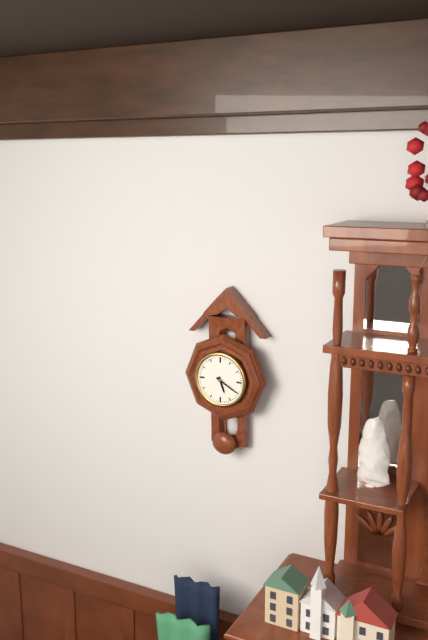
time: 5:20
